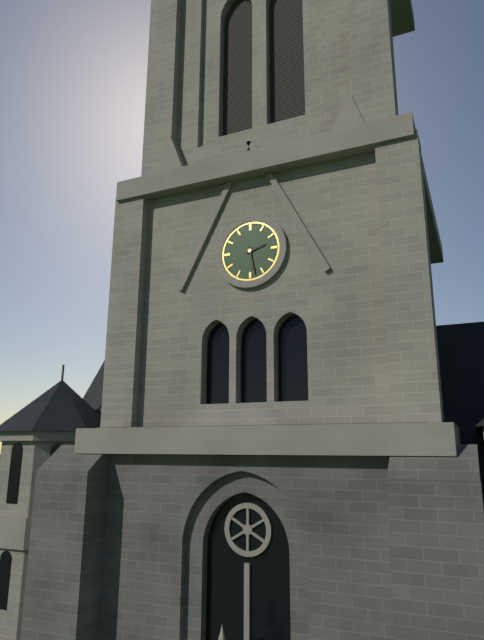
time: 2:28
